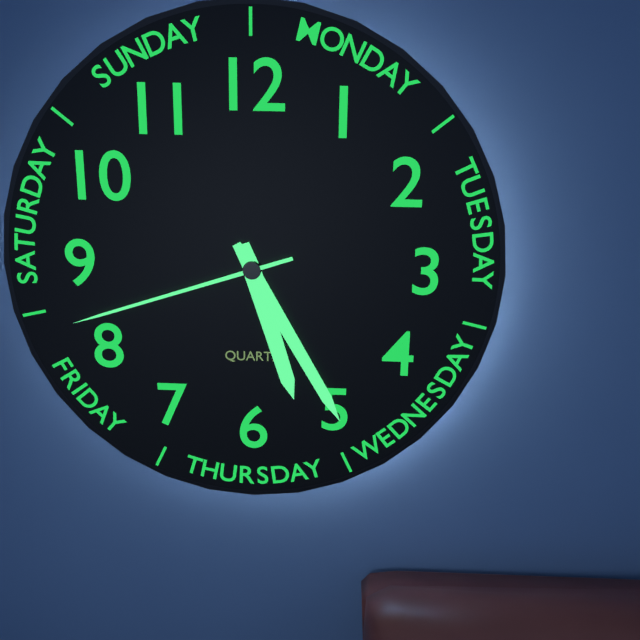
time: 5:25:42
